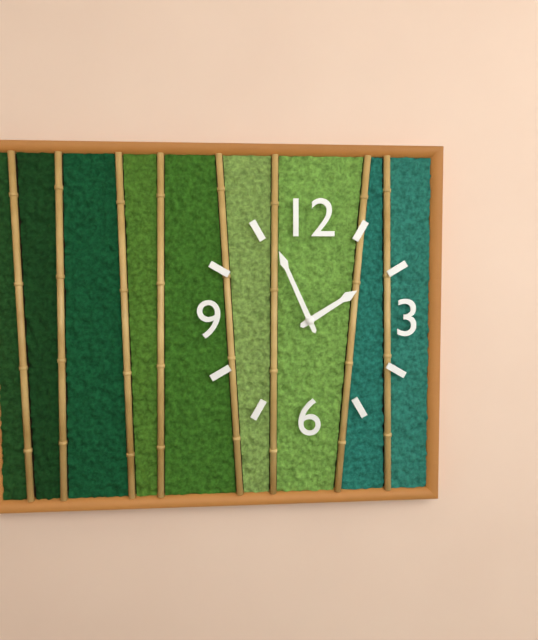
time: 1:56
